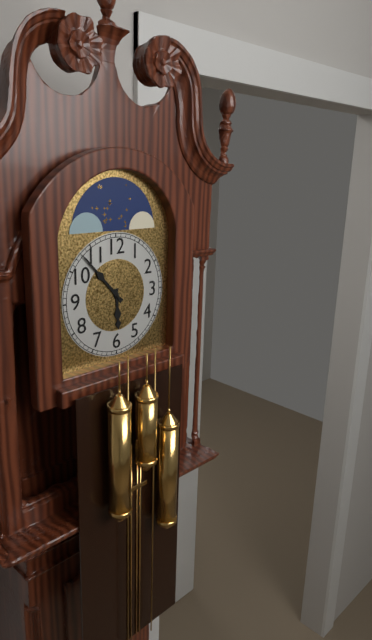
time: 5:53
